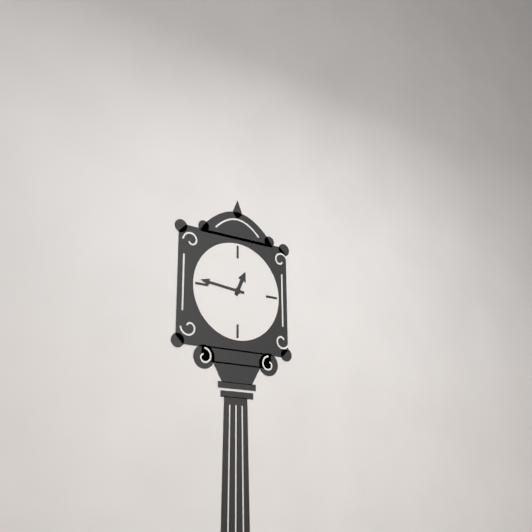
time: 12:46
